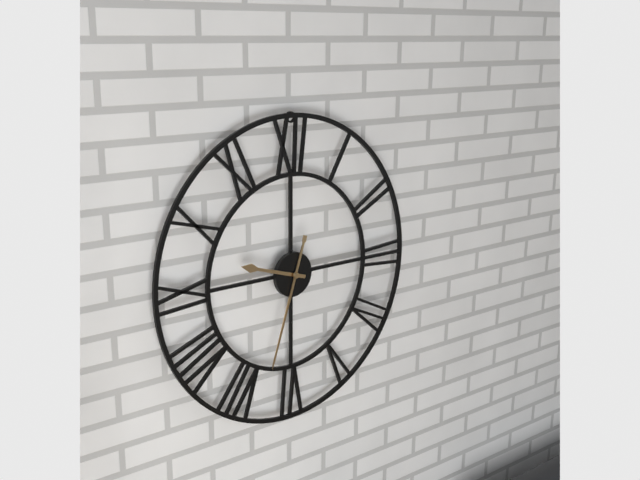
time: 9:33
